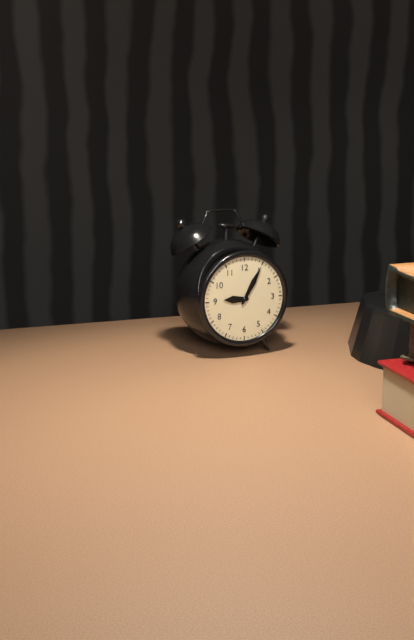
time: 9:05
